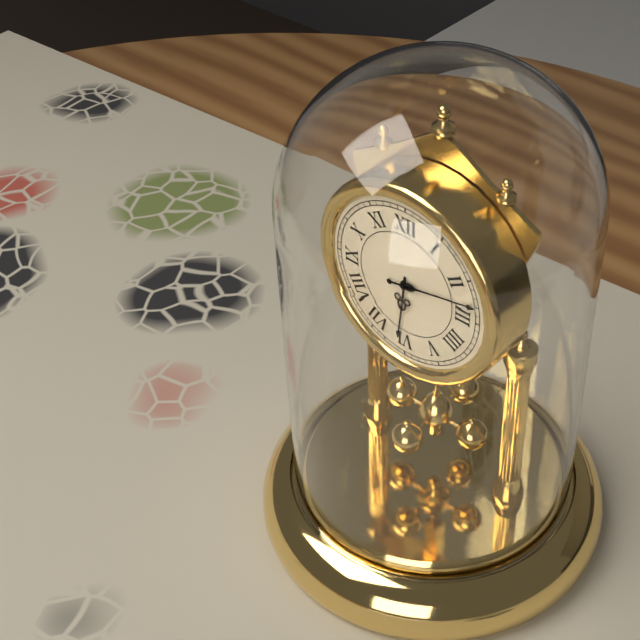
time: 6:13
